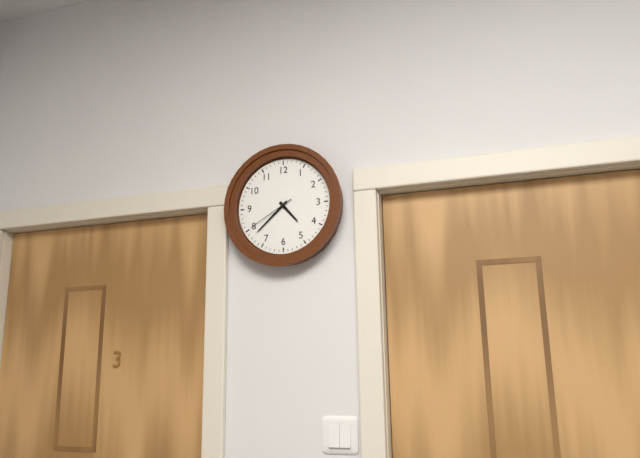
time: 4:38
